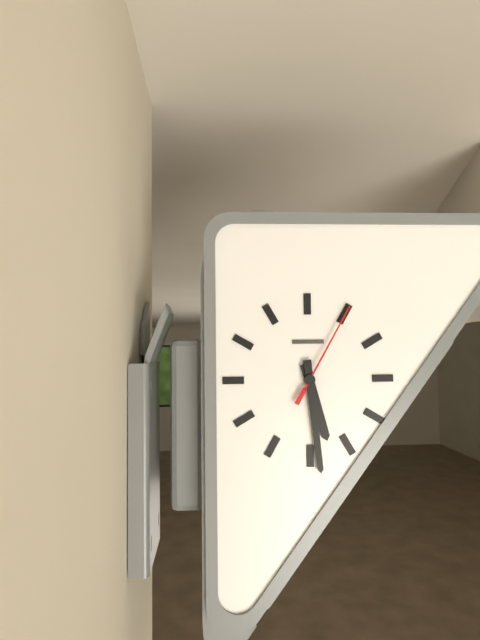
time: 5:29:05
